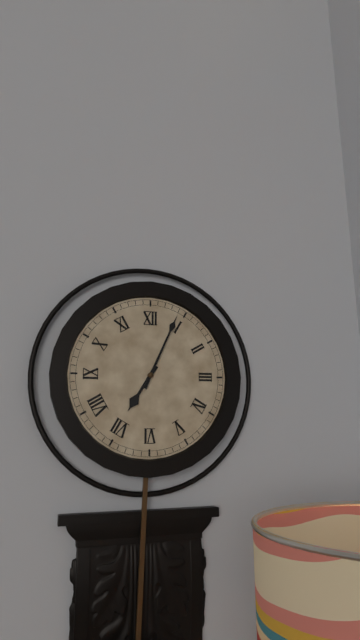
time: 7:04
